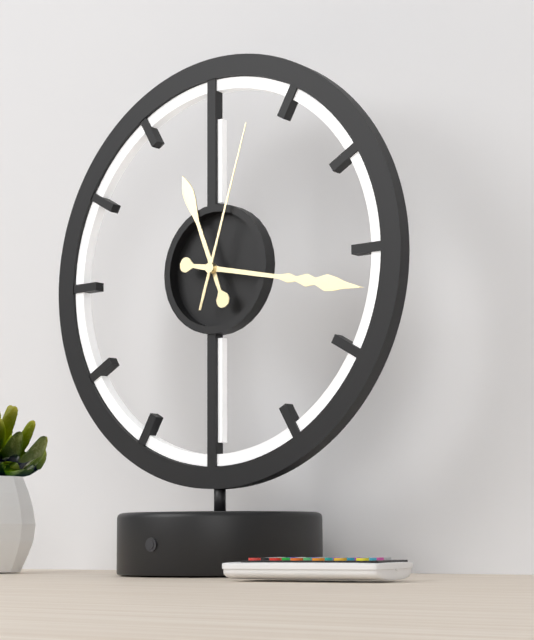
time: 11:17:03
